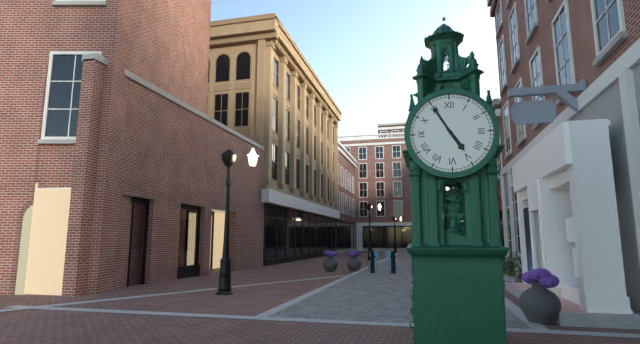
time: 4:55
